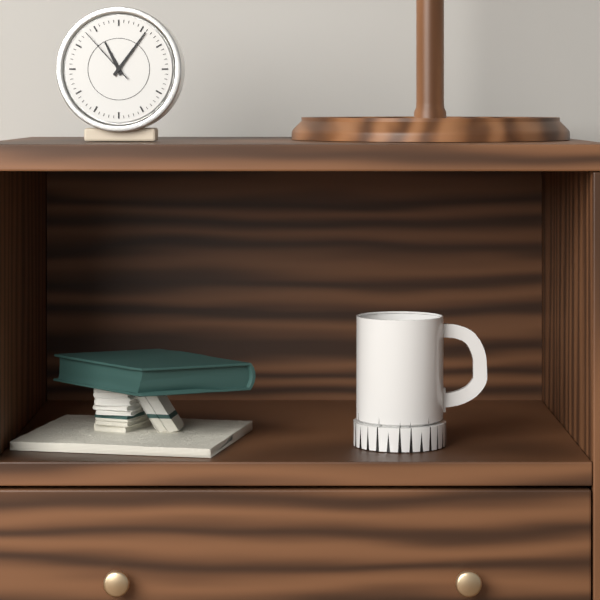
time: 11:06:53
